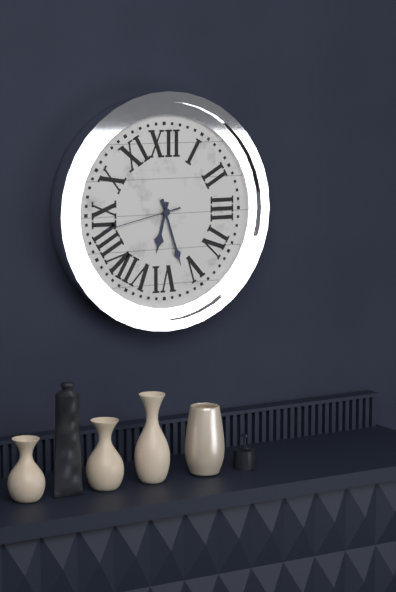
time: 6:27:43
